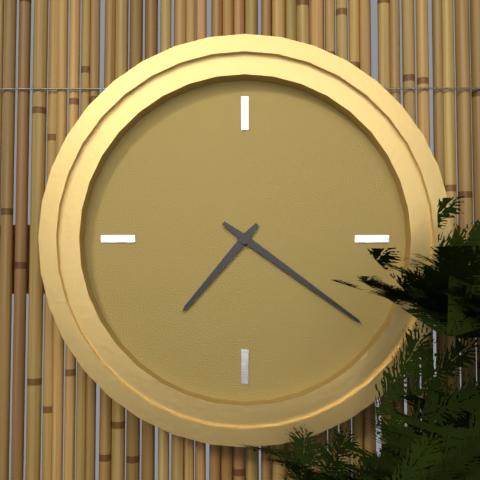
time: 7:21
